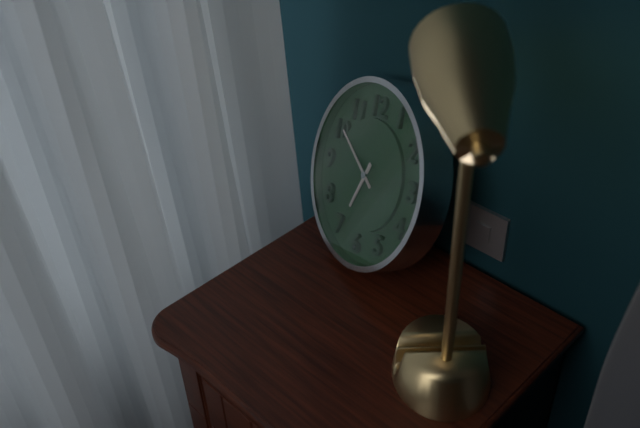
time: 6:51
